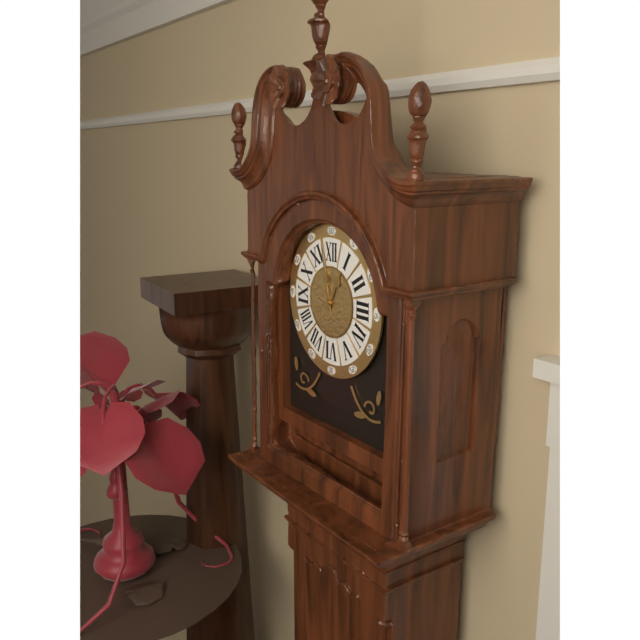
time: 12:58
